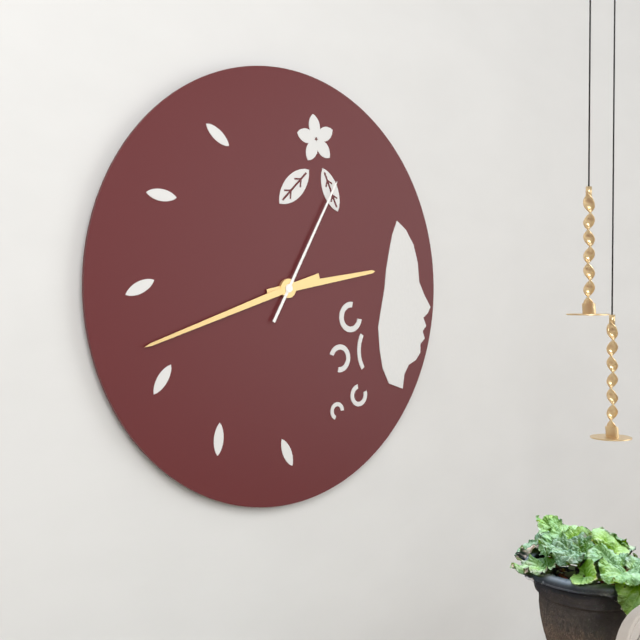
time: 2:42:05
